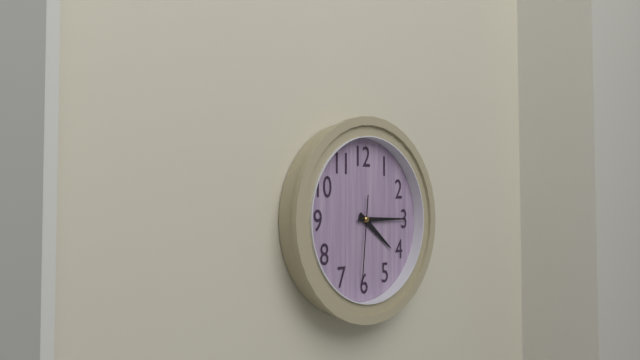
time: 4:15:31
